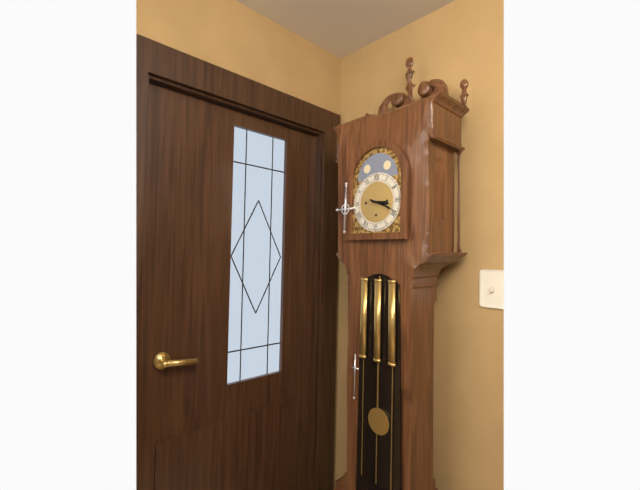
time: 3:19
